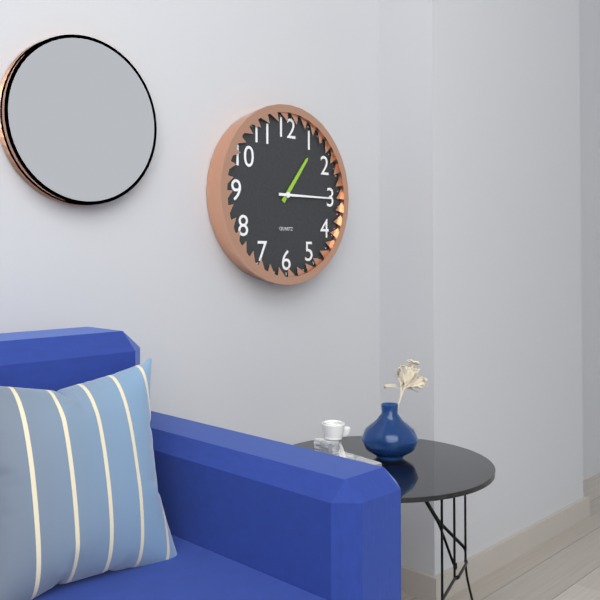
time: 1:15
